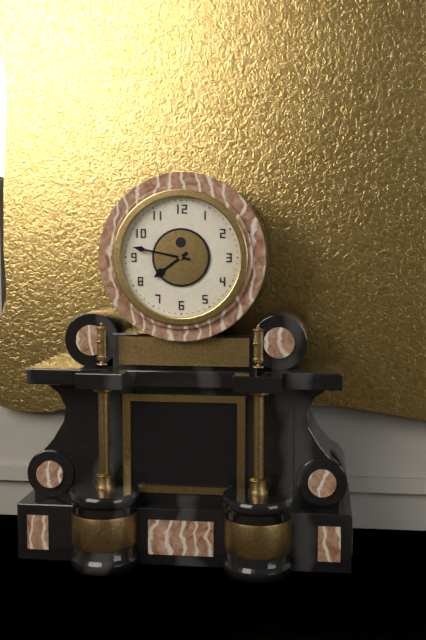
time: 7:47
